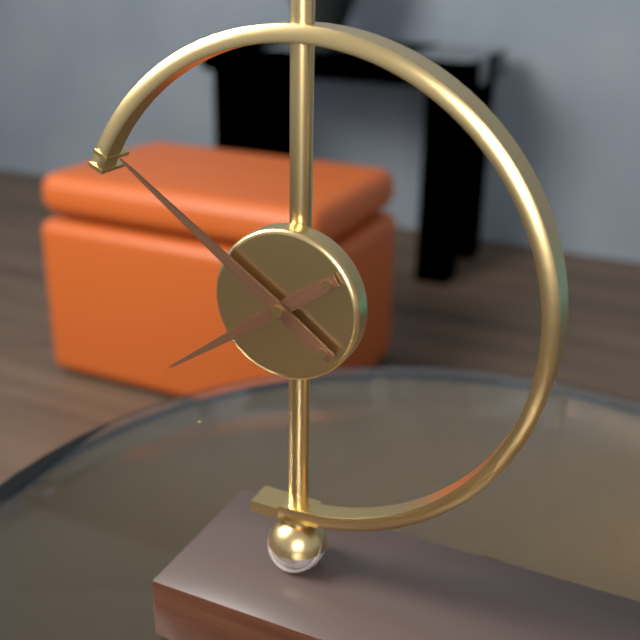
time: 7:51
